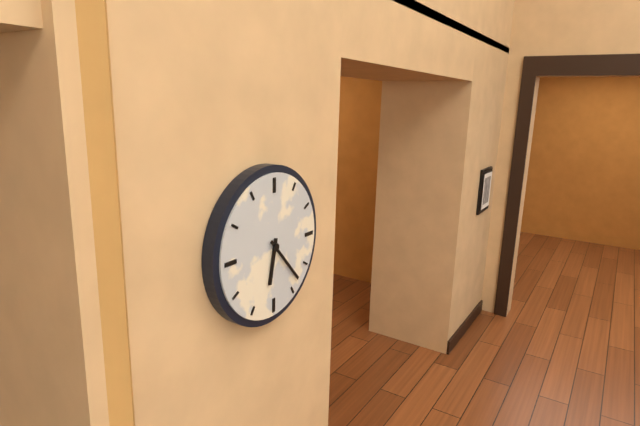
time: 6:23
